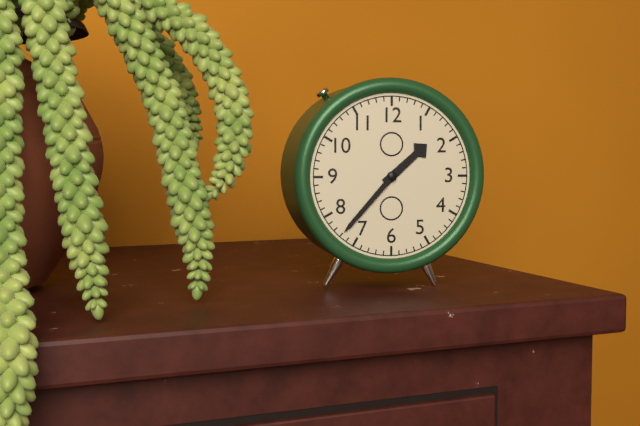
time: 1:37
